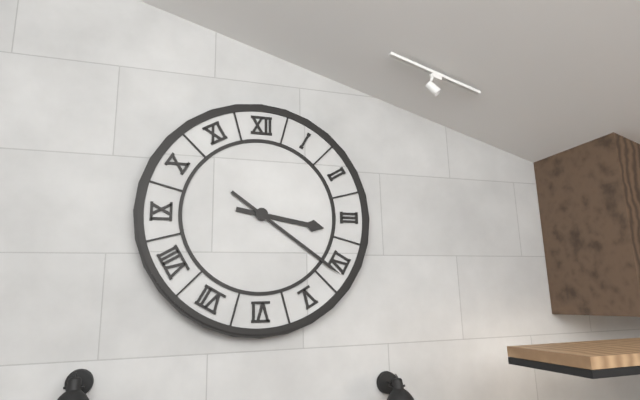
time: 3:21
